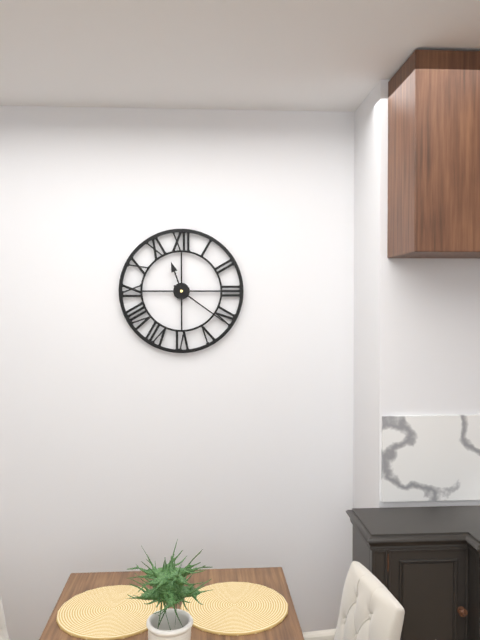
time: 11:21
